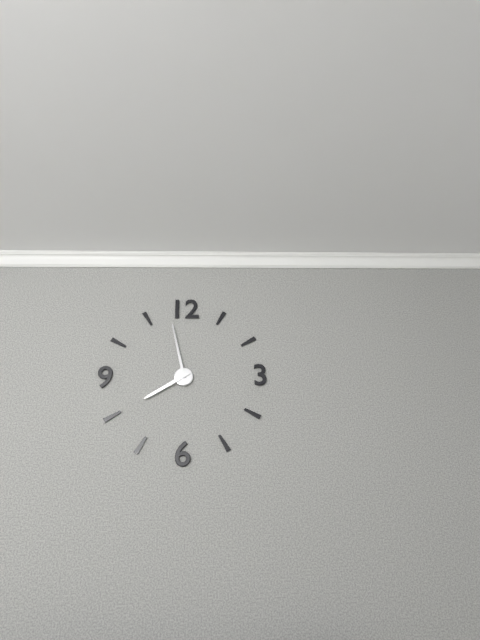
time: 7:58
